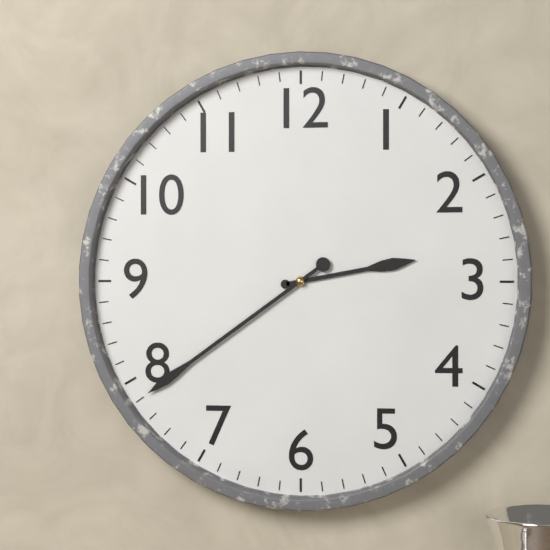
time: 2:39
